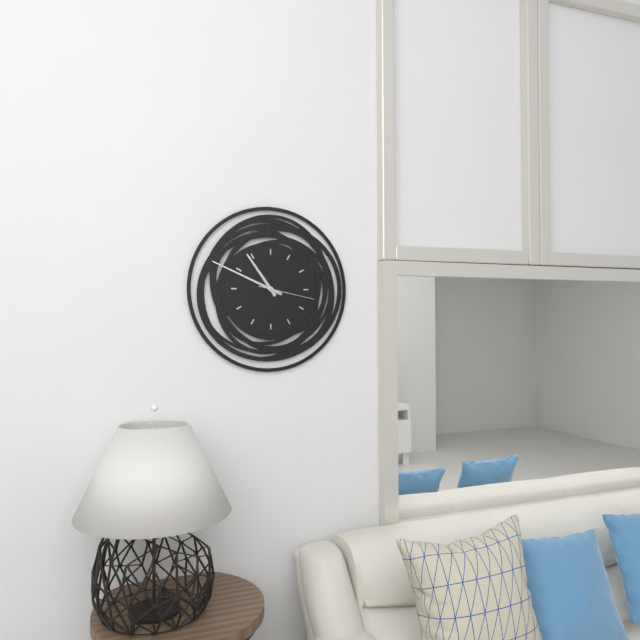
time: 10:49:17
